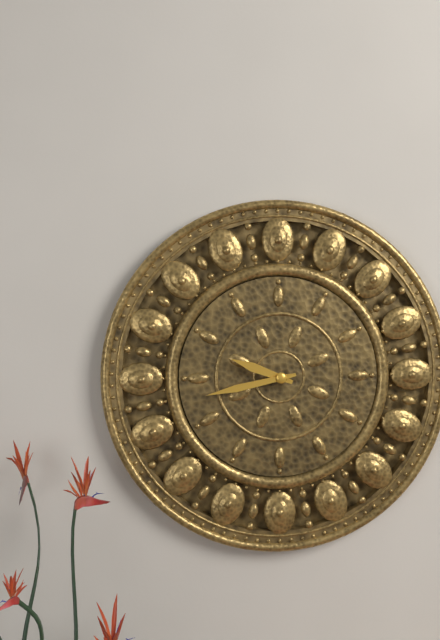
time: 9:43
